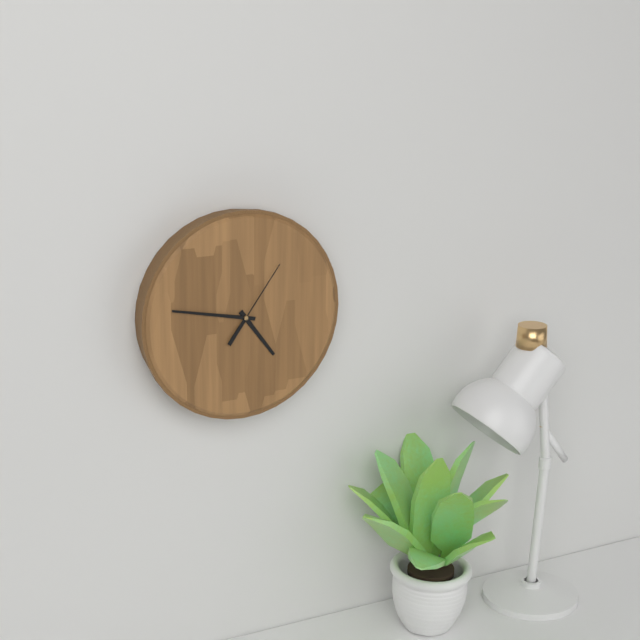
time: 4:47:06
